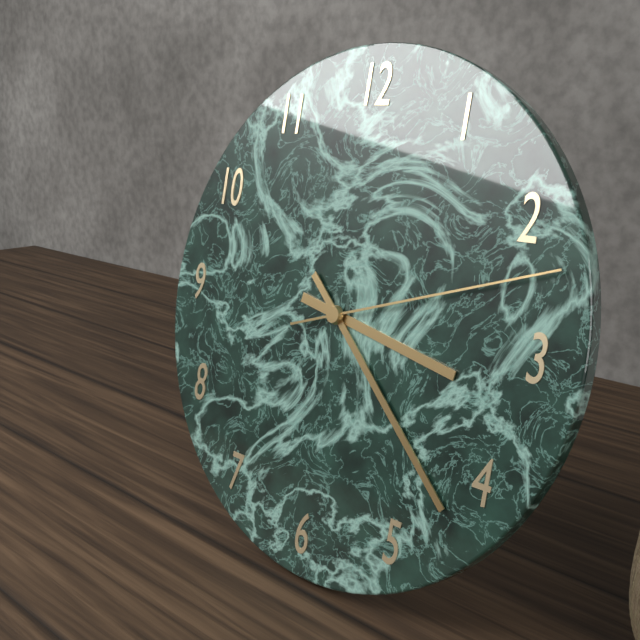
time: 3:22:12
